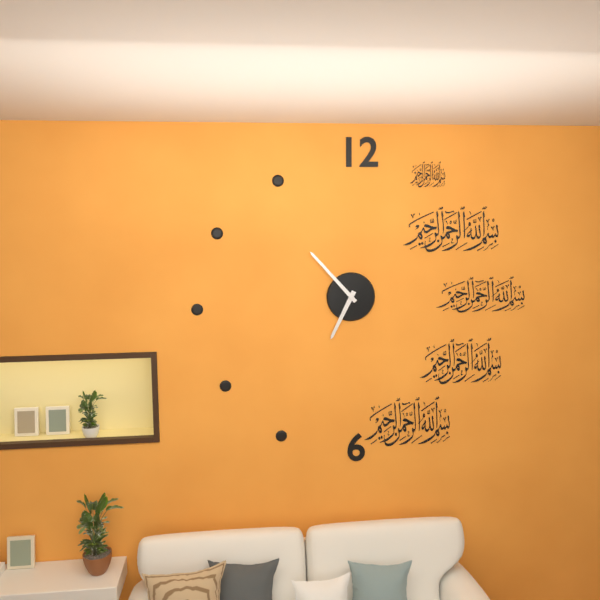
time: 6:53
